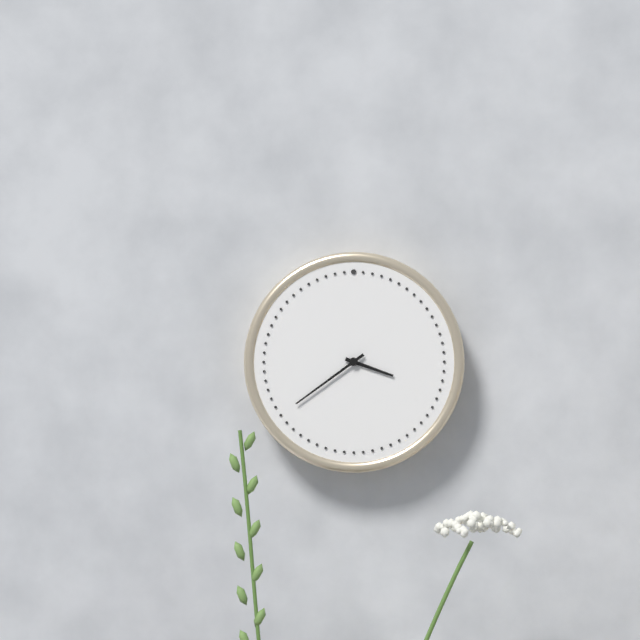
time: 3:39
